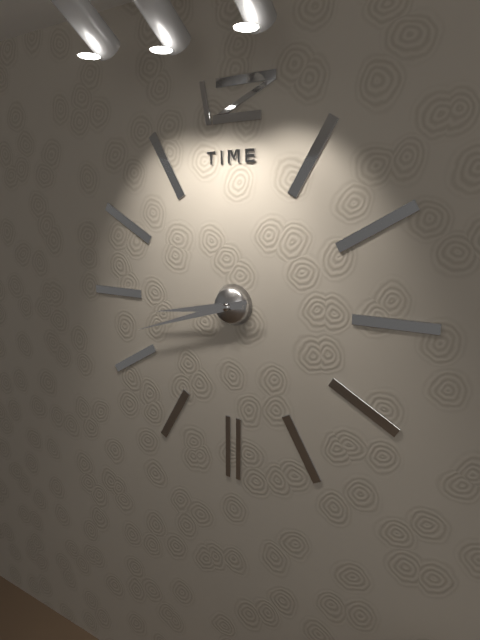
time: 8:42
